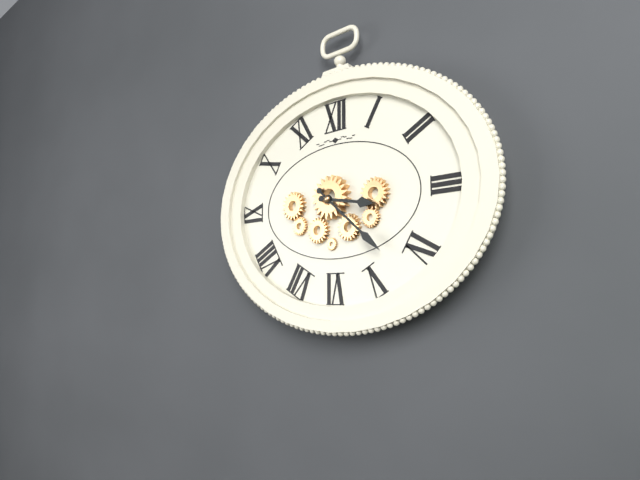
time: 3:22
